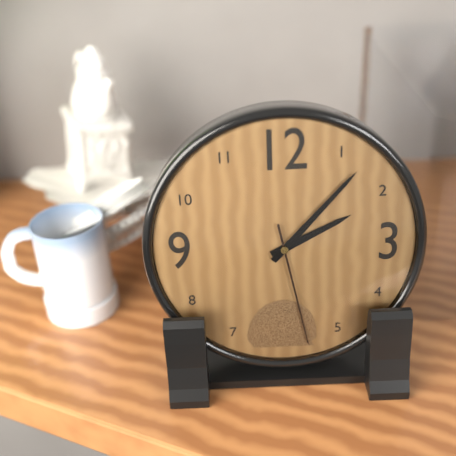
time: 2:07:28
